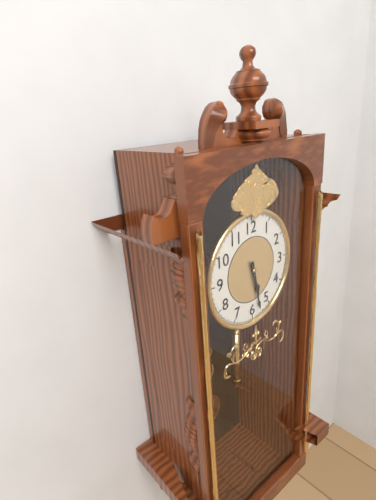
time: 5:28
